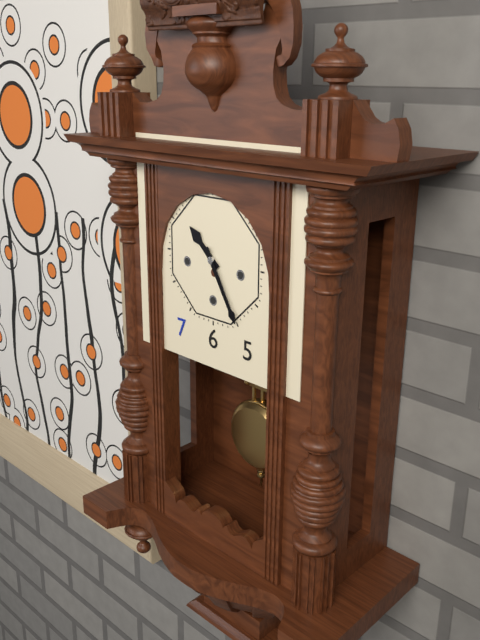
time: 10:25
